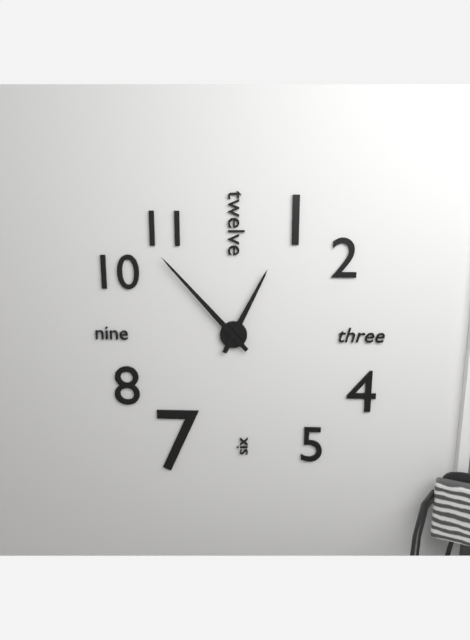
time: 12:53
